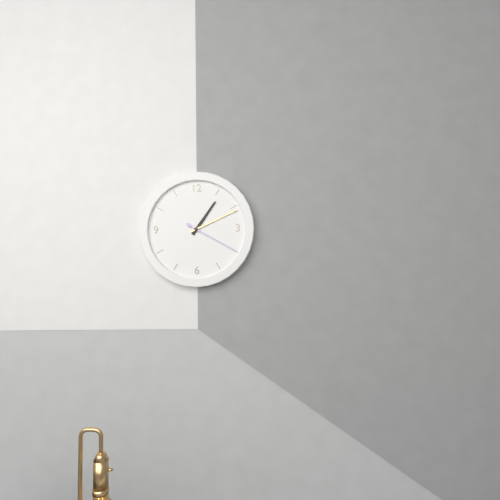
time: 1:11:20
